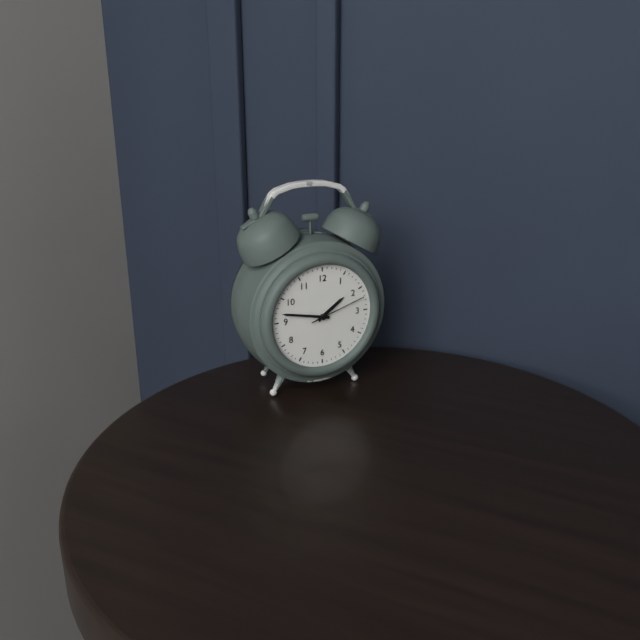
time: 1:47:12
